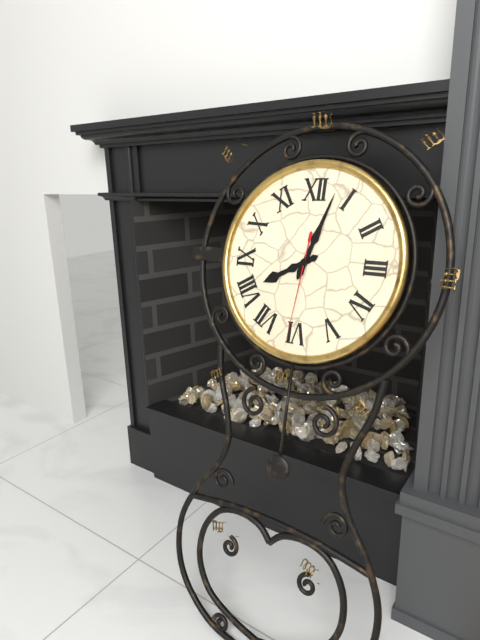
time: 8:03:31
